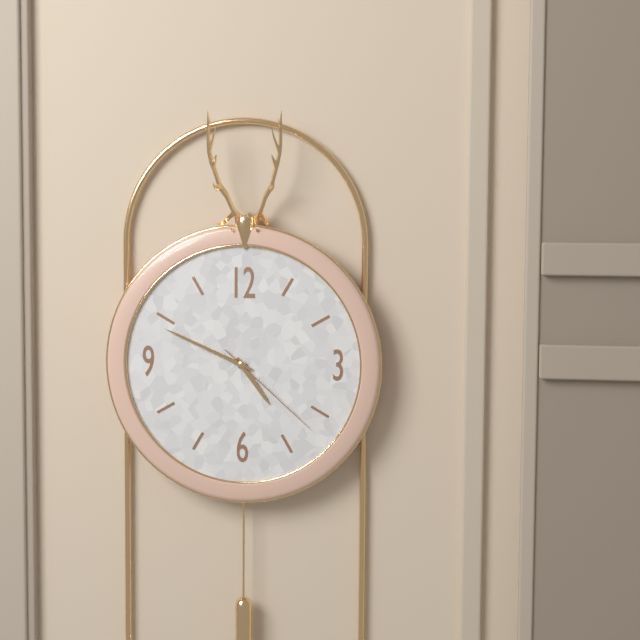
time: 4:49:22
